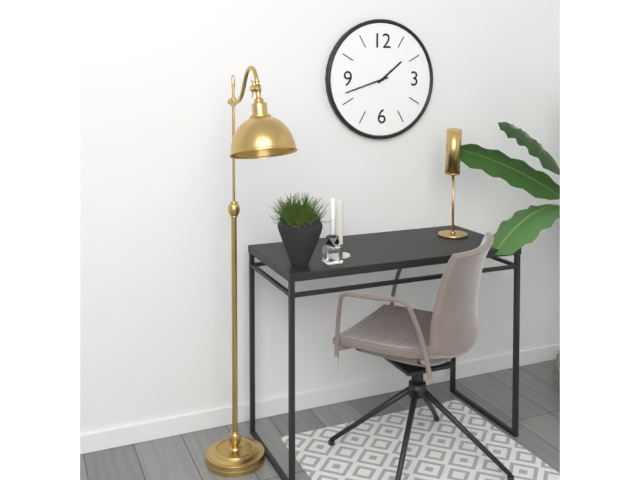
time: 1:42
